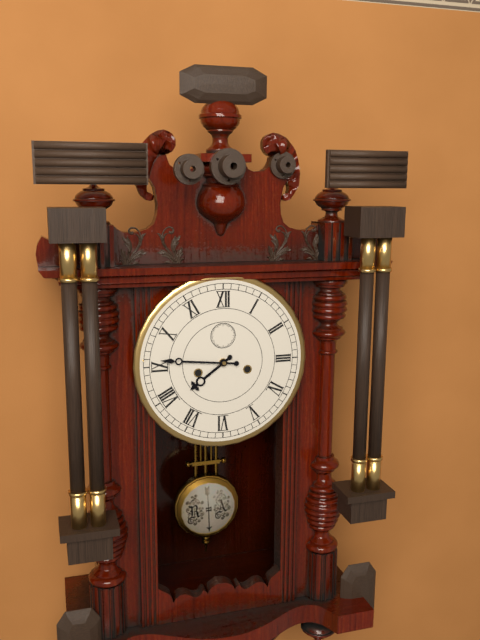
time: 7:46
